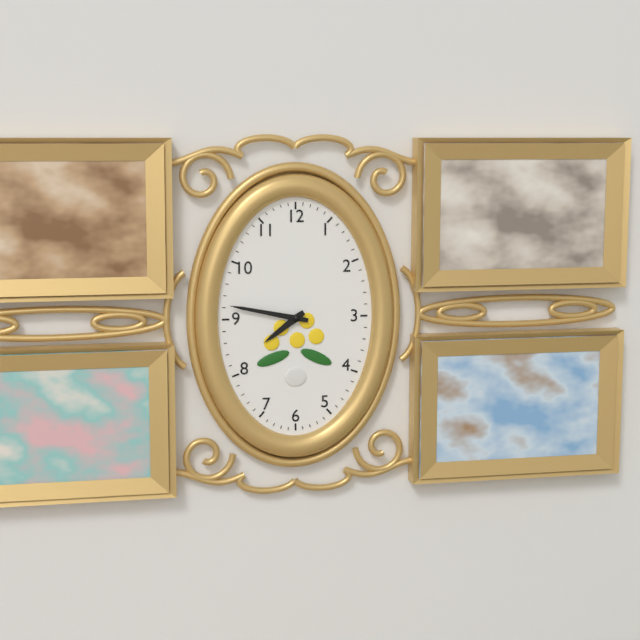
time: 7:47
